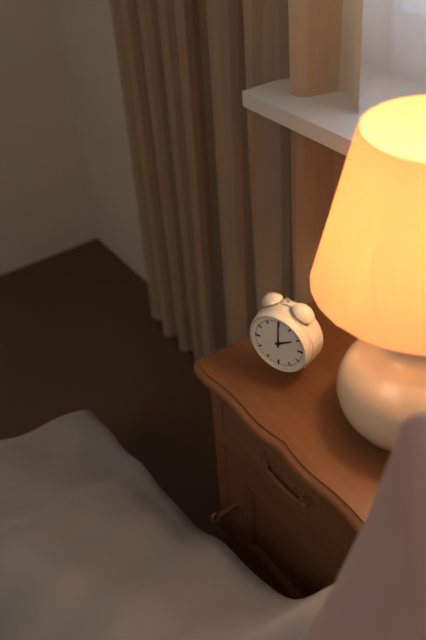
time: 2:00
